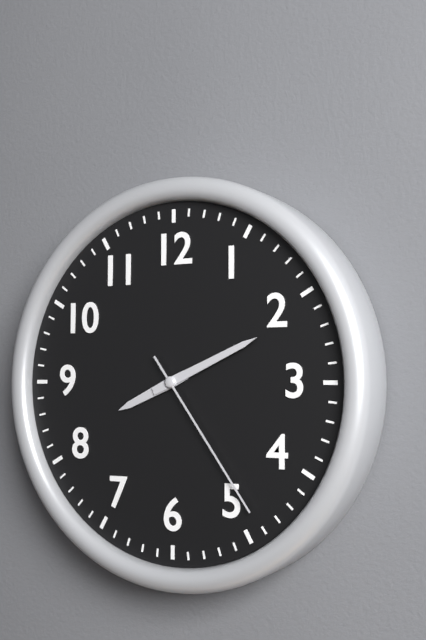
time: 8:11:24
